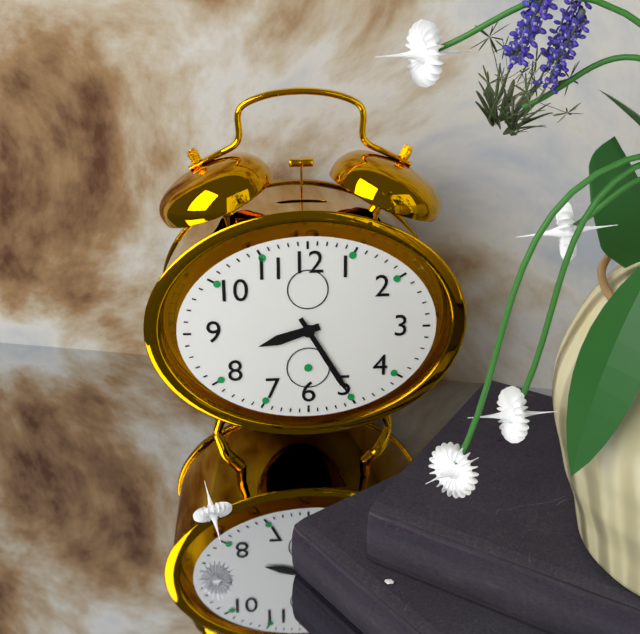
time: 8:25
